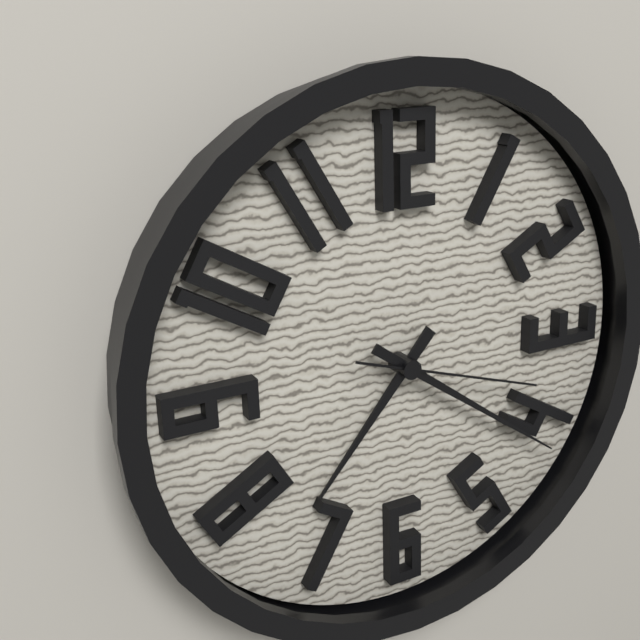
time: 7:21:18
